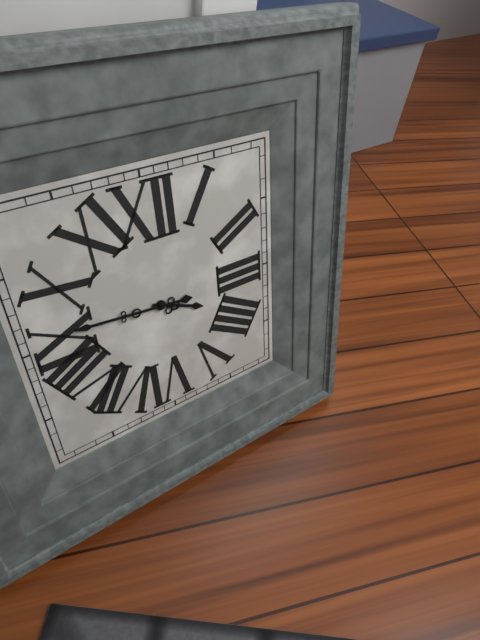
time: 3:46
